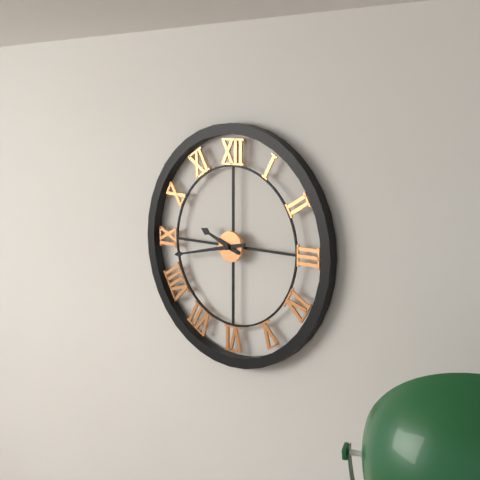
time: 9:43
